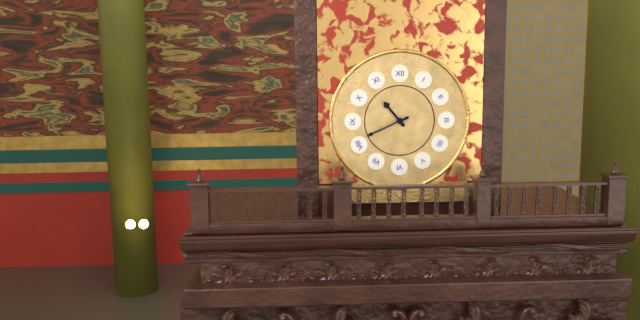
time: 10:41
